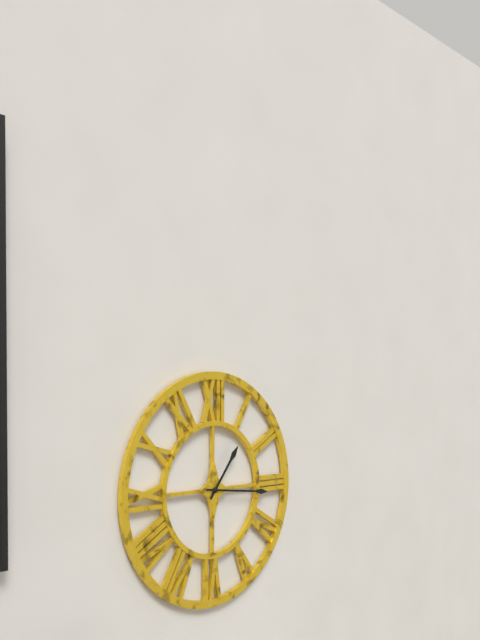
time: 1:16
